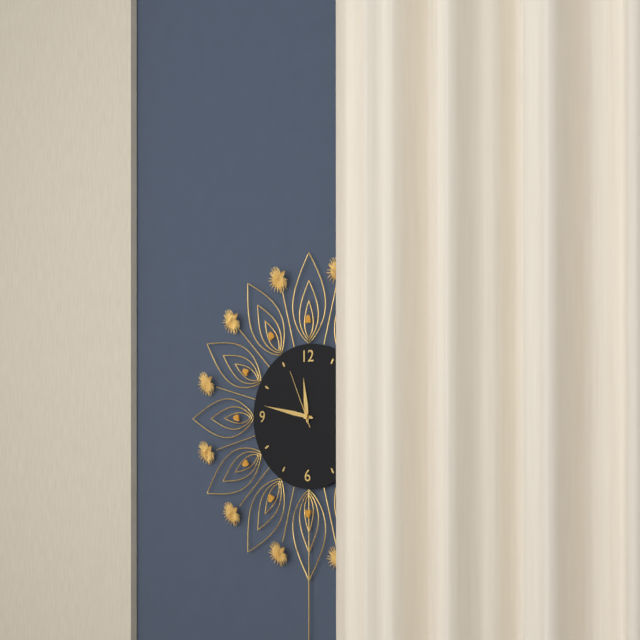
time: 11:47:56
